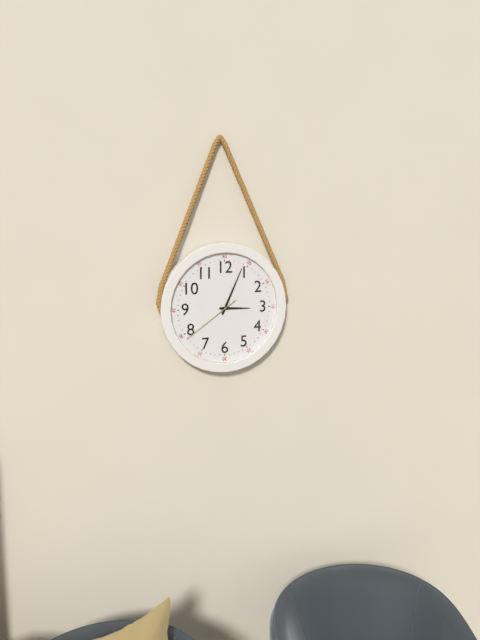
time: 3:04:39
